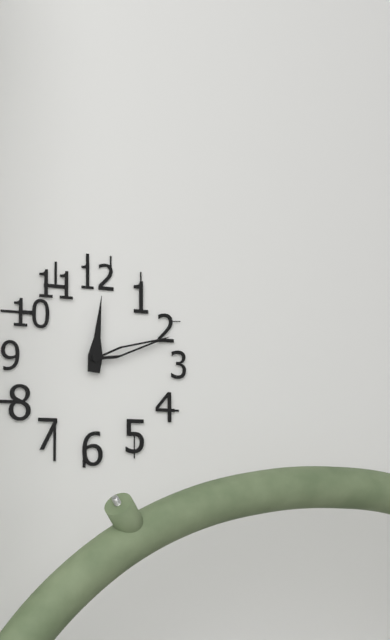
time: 12:12
